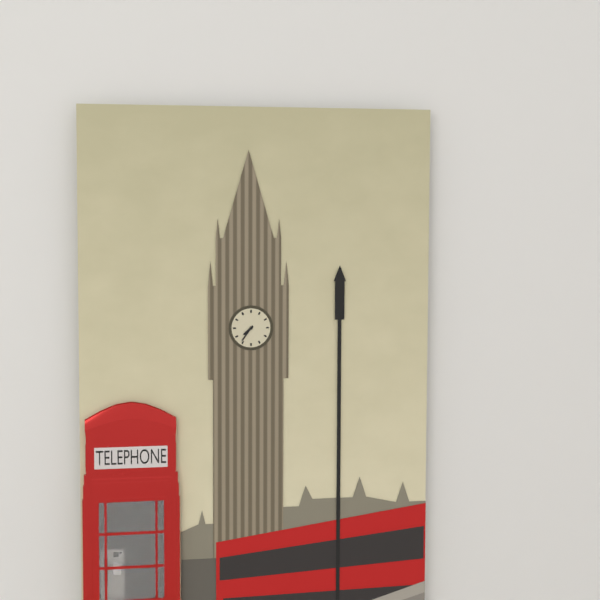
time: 7:36
